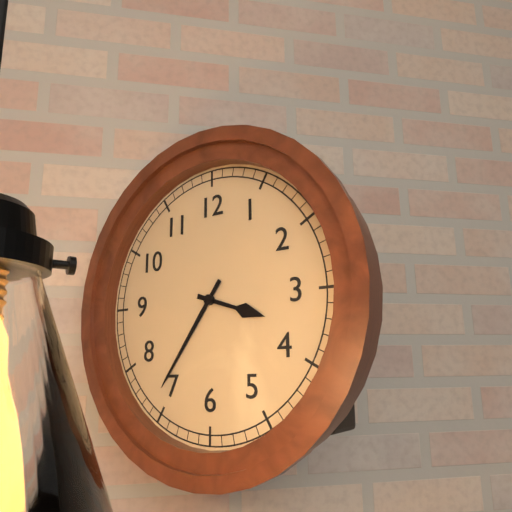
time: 3:36
